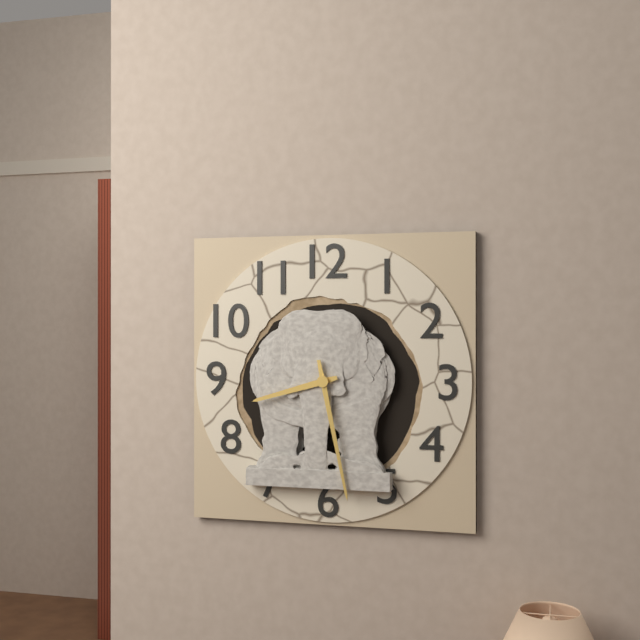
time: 8:28
